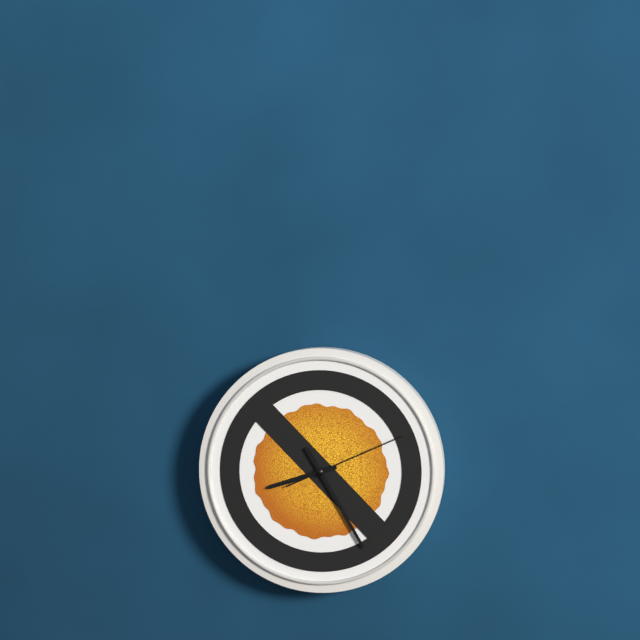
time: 8:25:11
